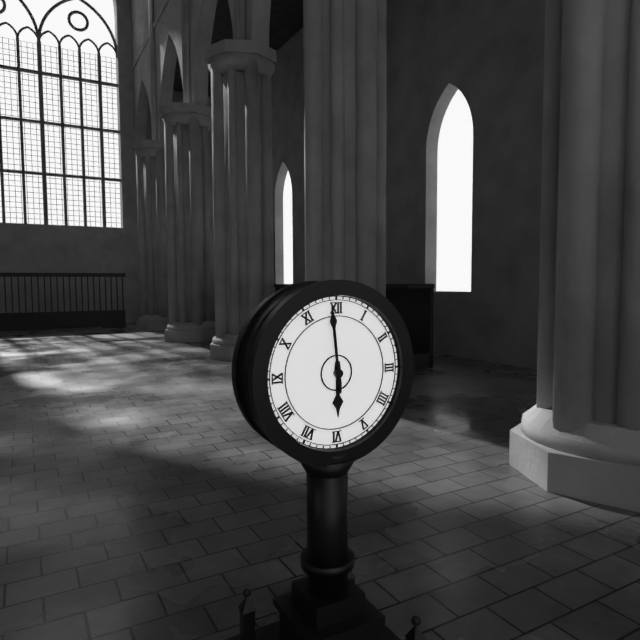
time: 5:59:59
